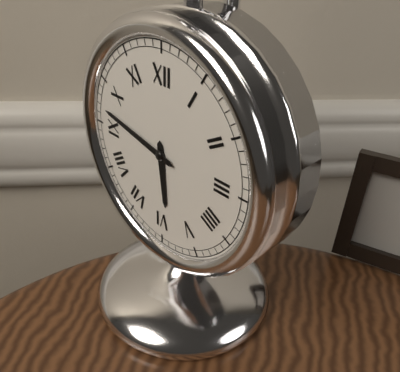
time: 5:47
